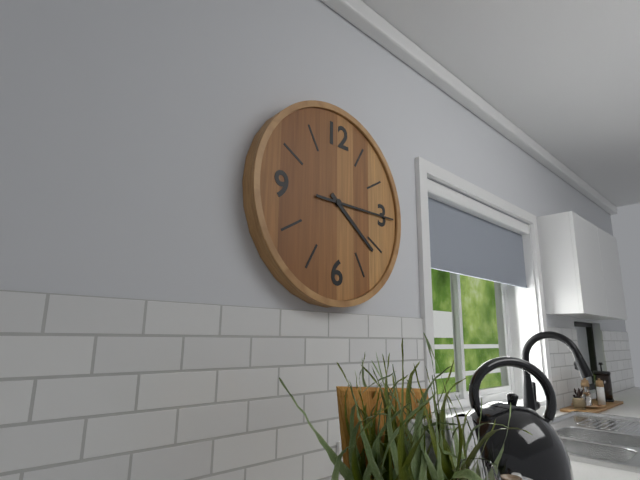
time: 4:15
